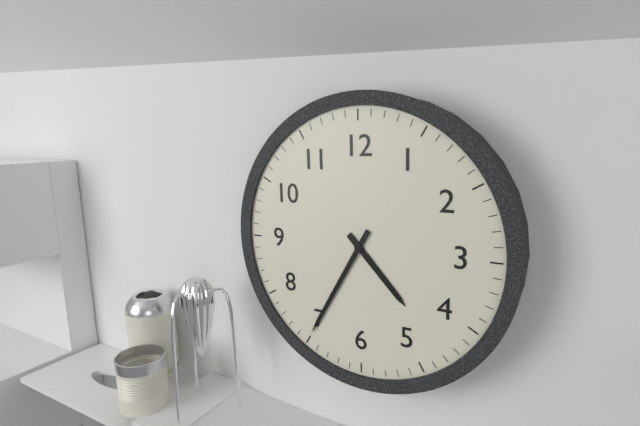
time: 4:35
